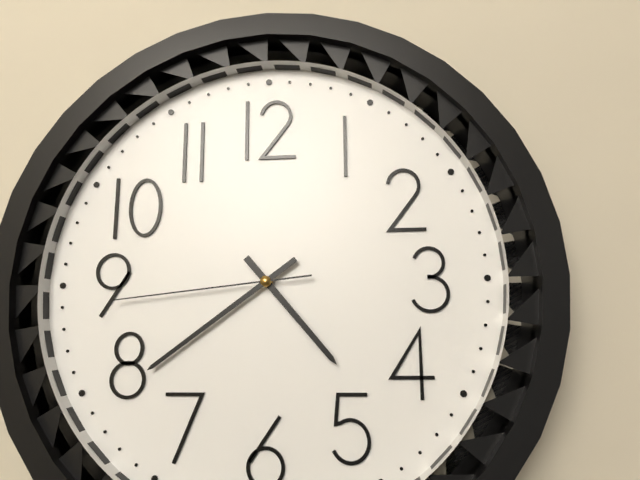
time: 4:39:44
